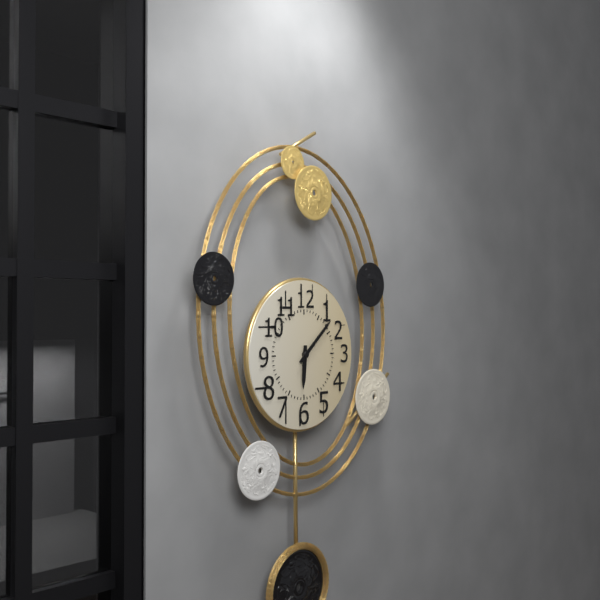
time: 6:08
